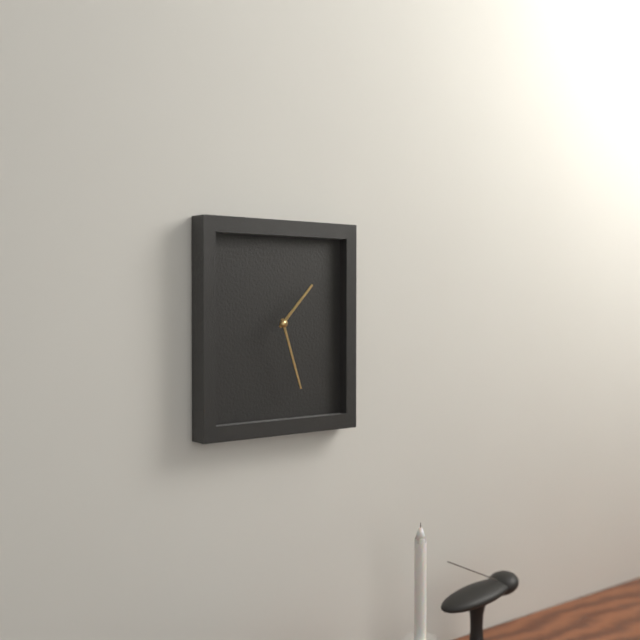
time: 1:27
